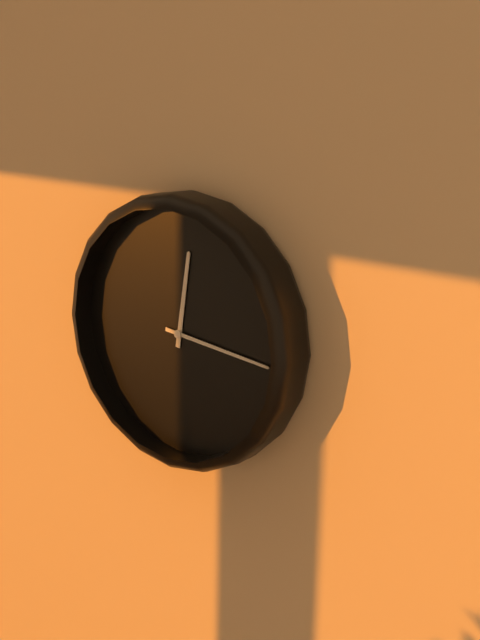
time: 12:16
